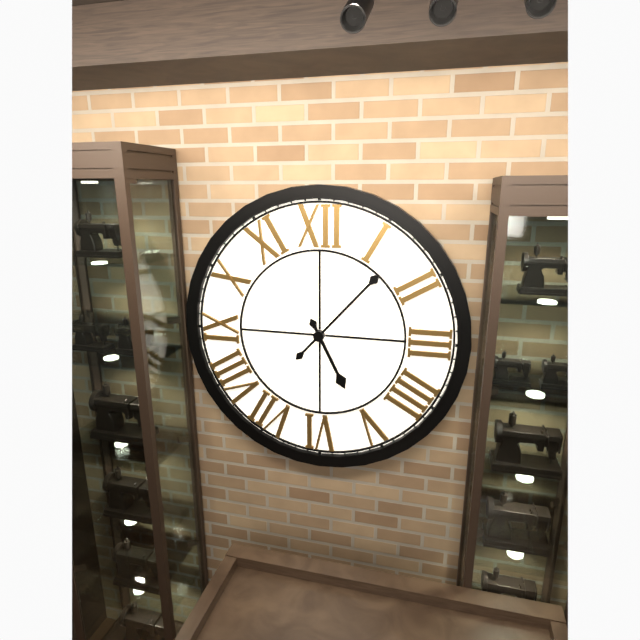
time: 5:07
